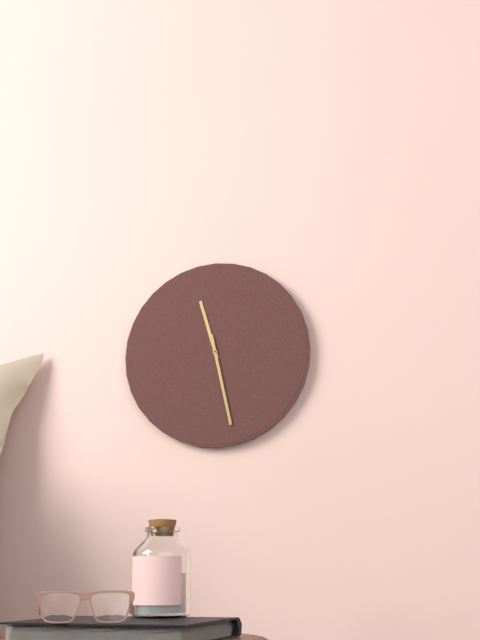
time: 11:28
